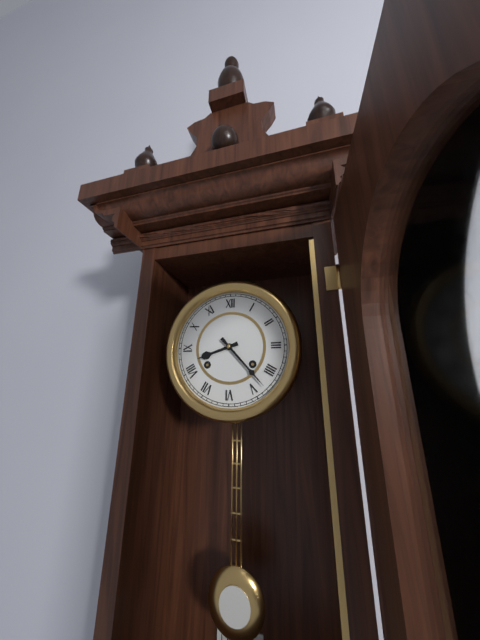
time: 8:23
